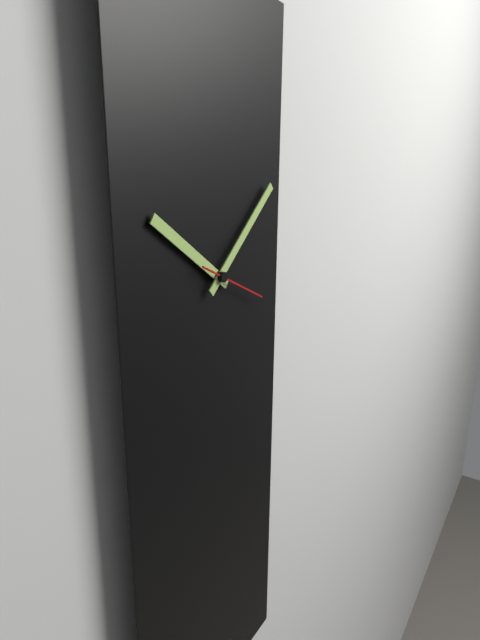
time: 10:08:19
